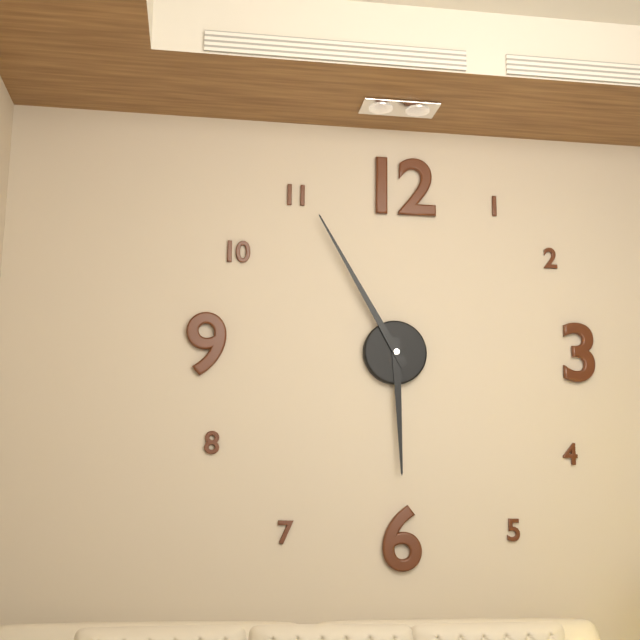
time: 5:55
